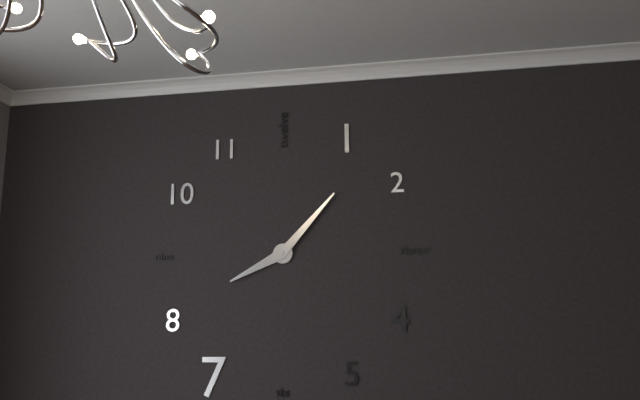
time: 8:07
